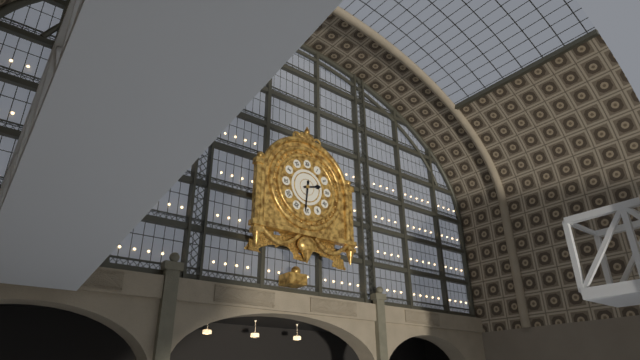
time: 2:31
